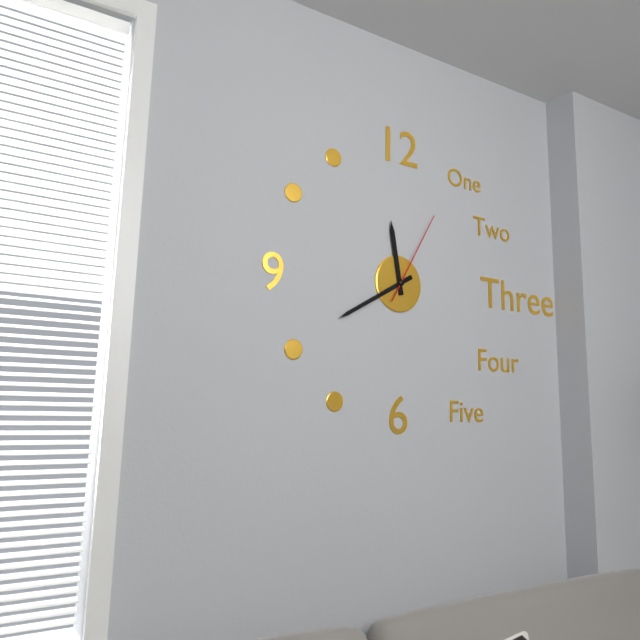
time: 11:40:05
